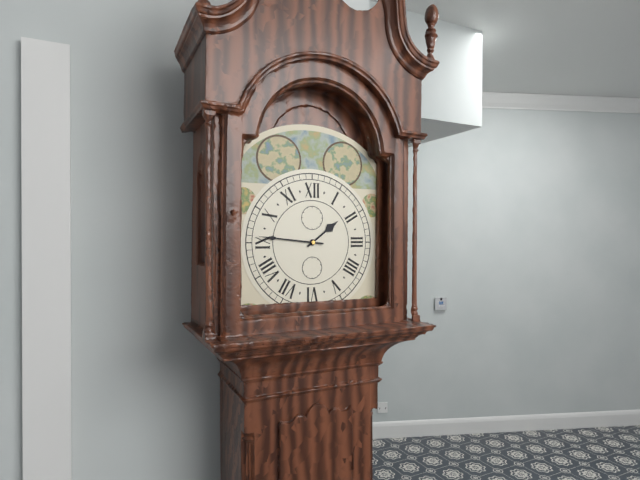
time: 1:46
